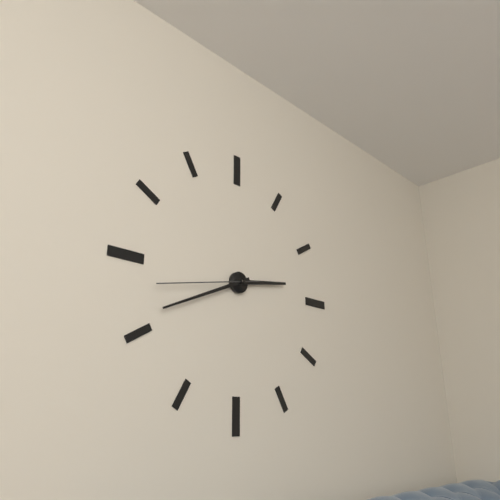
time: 2:41:43
